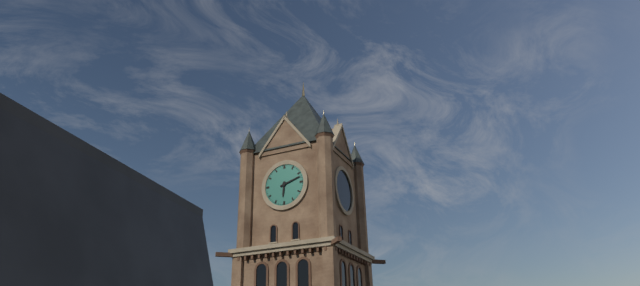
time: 6:12
